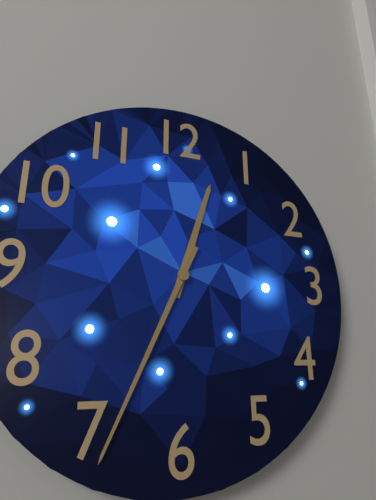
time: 12:34
